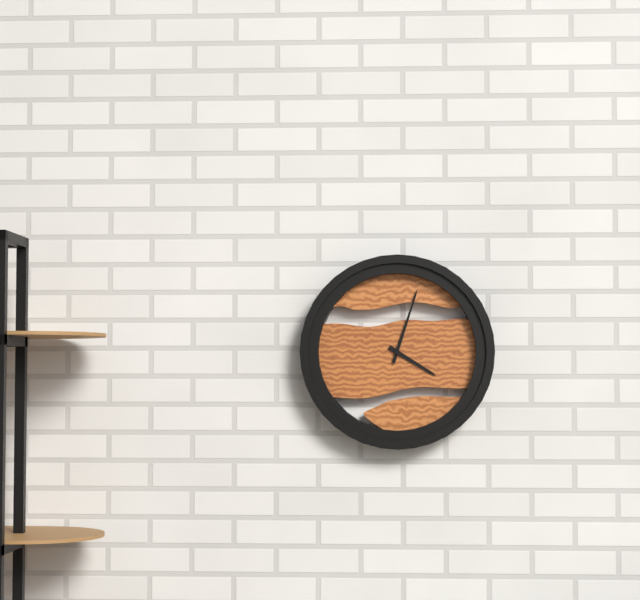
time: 4:03
